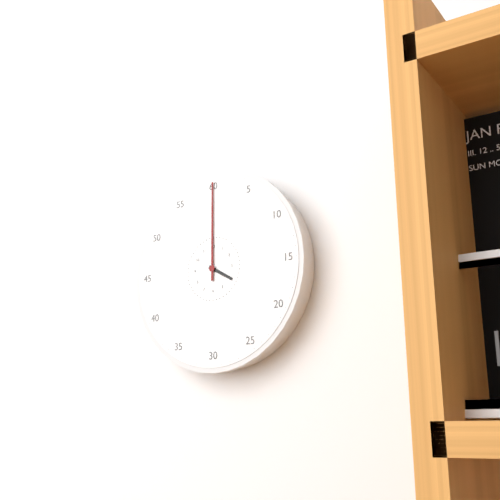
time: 4:00
